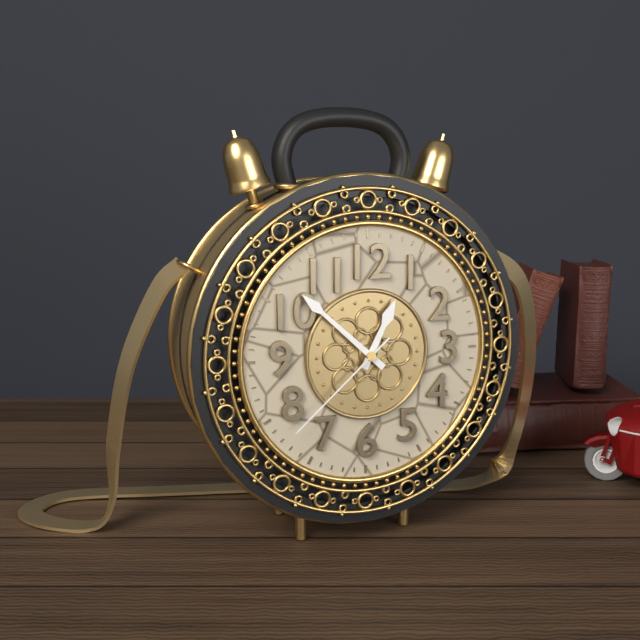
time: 12:52:38
